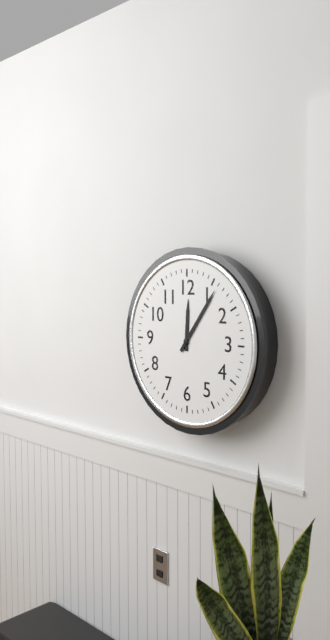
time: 12:06
